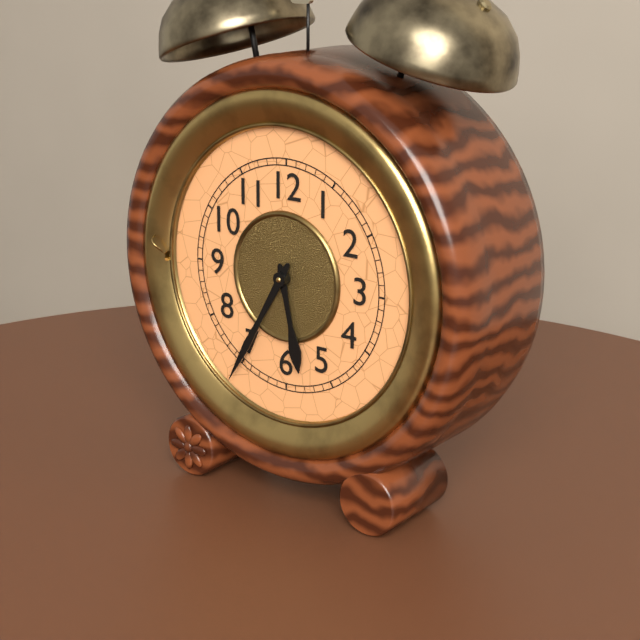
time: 5:35
